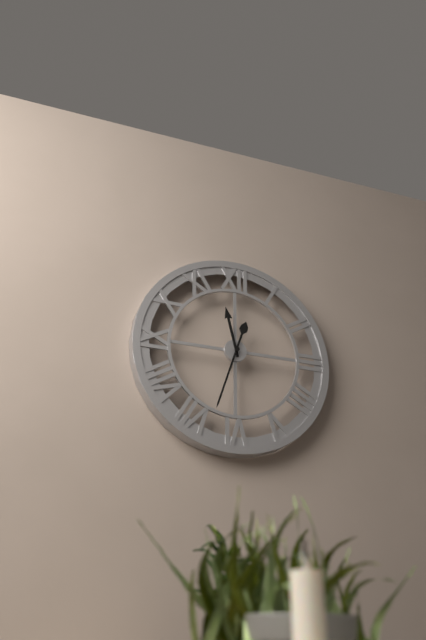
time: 11:33
